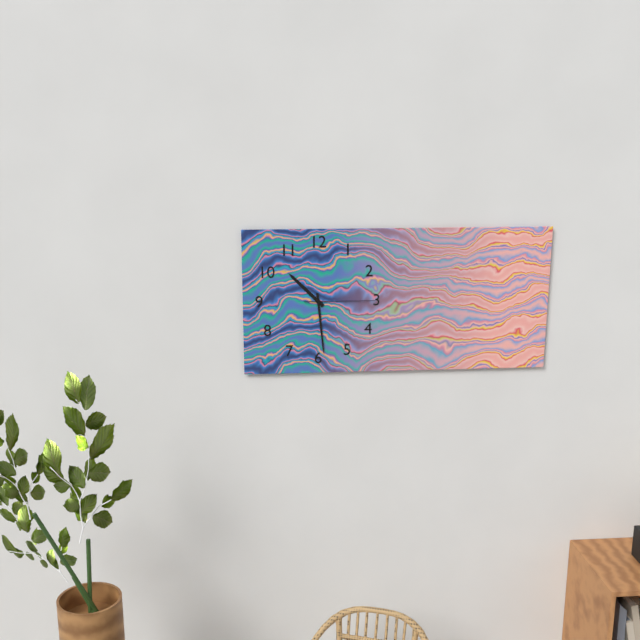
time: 10:29:15
